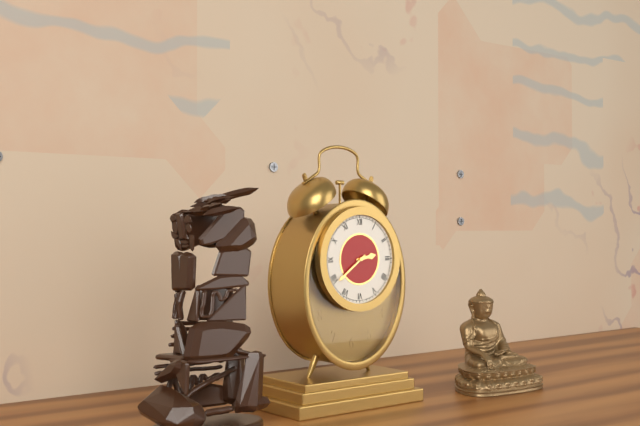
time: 2:39
